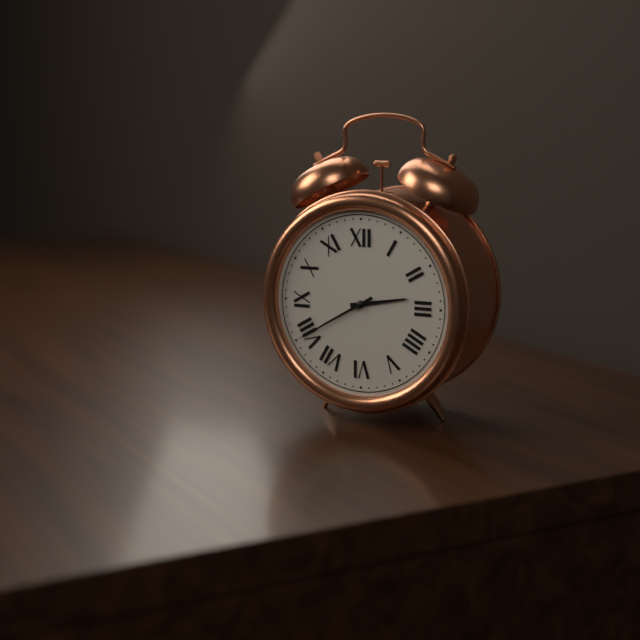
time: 2:40
